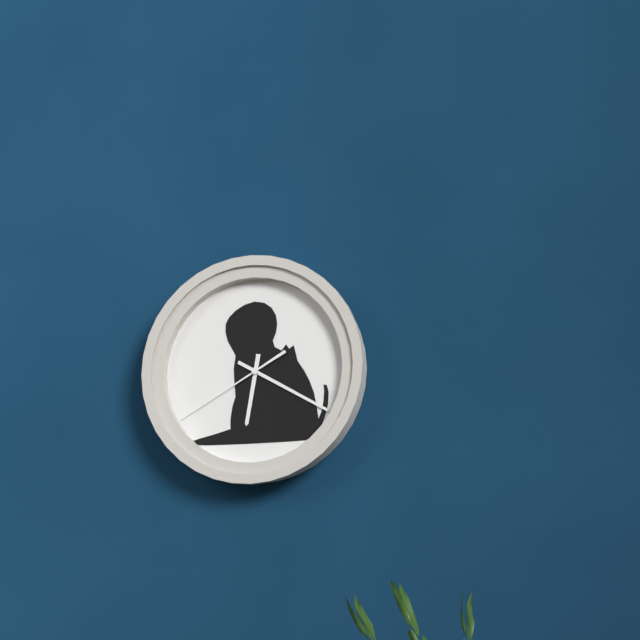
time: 6:20:40
